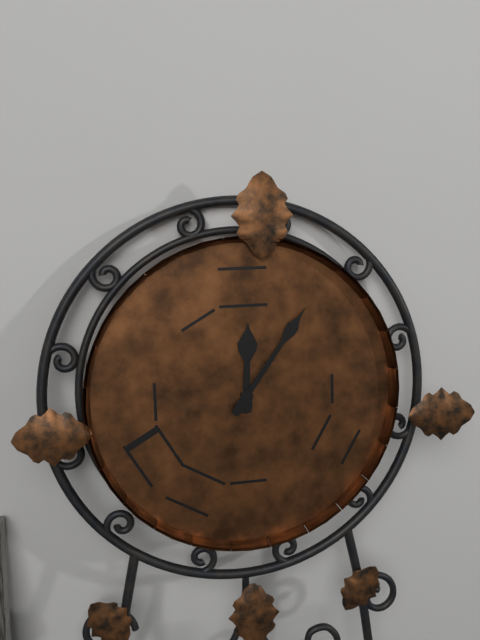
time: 12:06
